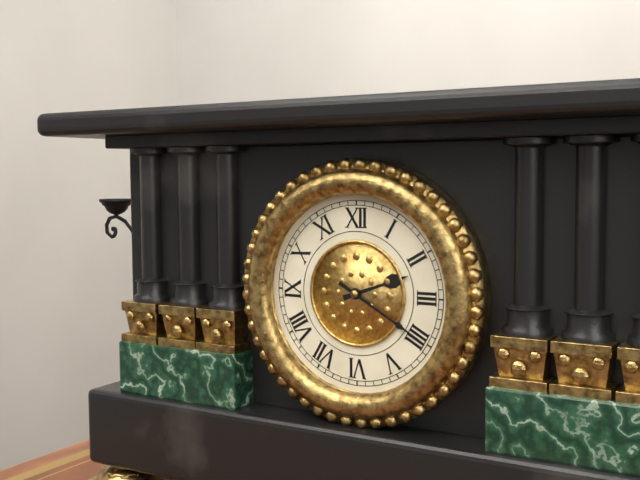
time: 2:20
